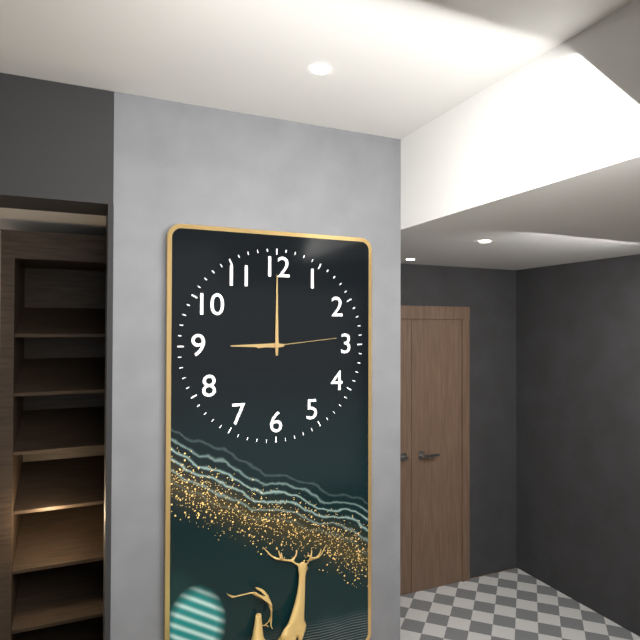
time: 9:00:14
